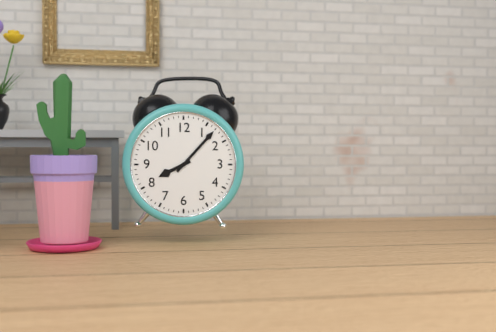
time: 8:07
